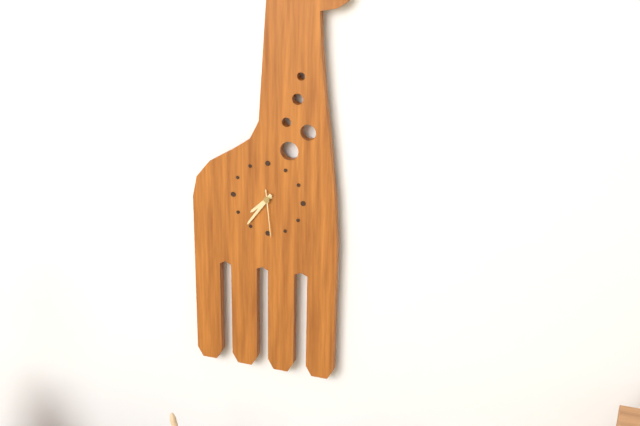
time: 7:36
